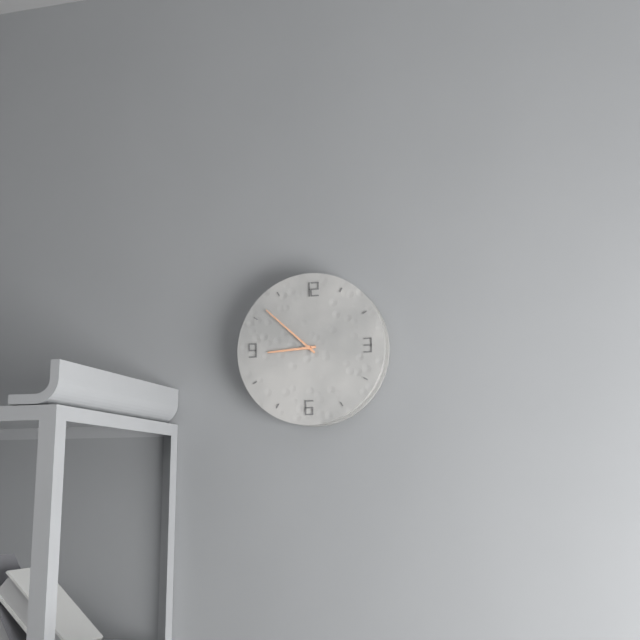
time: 8:52
